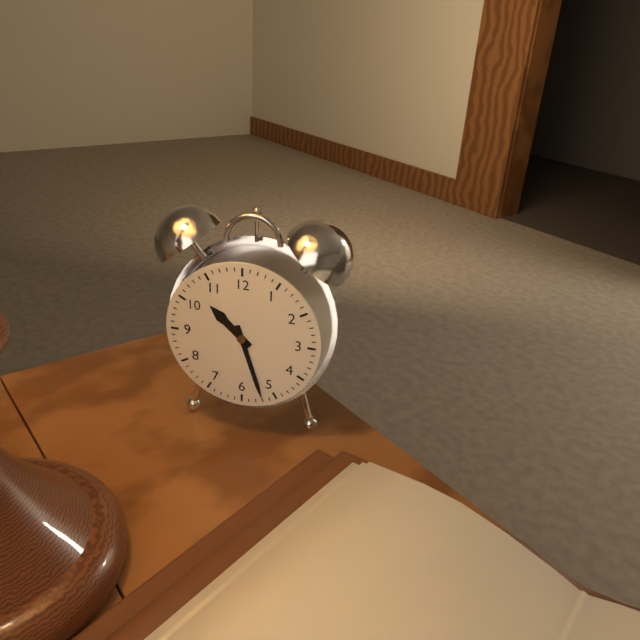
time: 10:27
